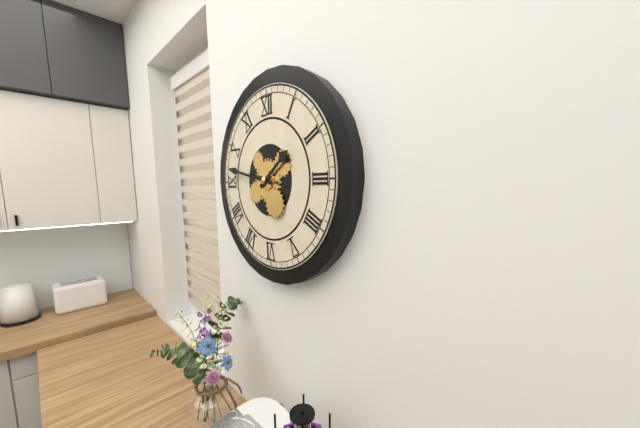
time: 1:47
